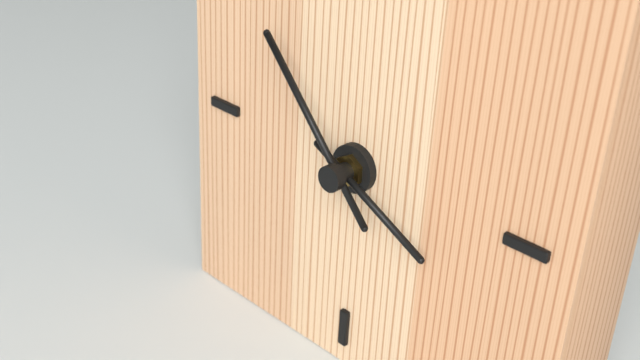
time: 3:53
